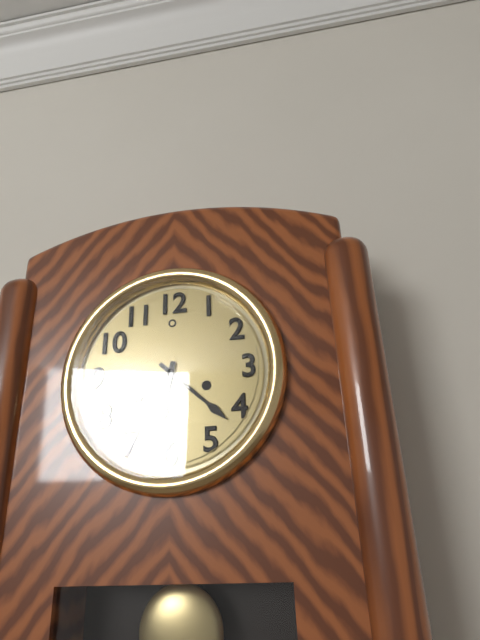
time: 6:22
